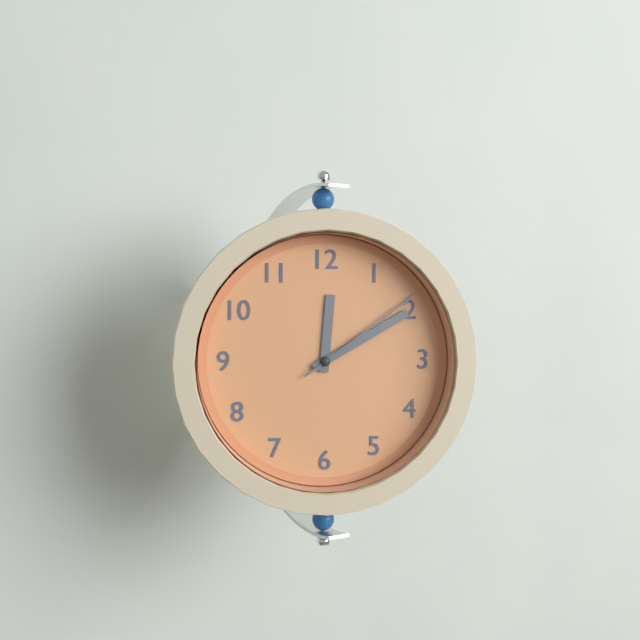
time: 12:10:09
